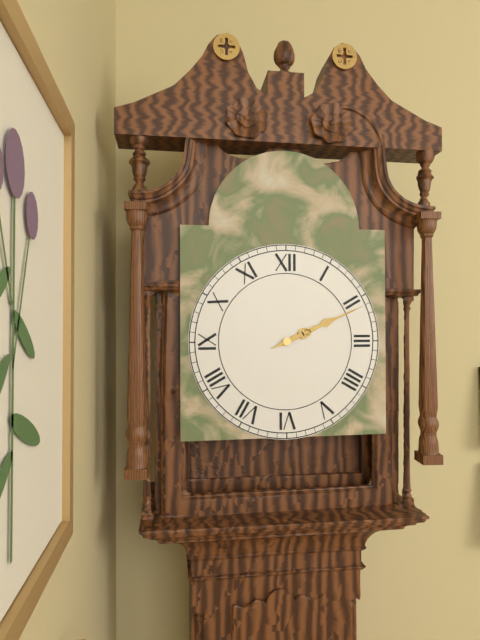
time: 2:11
